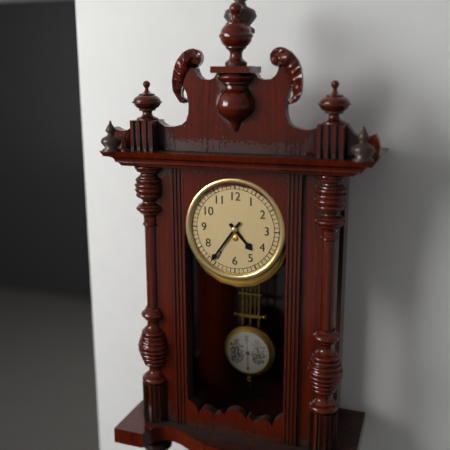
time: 4:36
